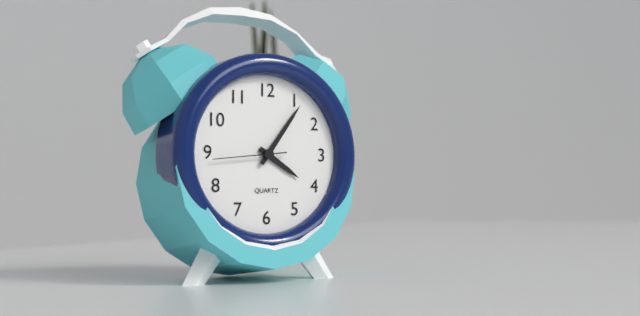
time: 4:06:44
